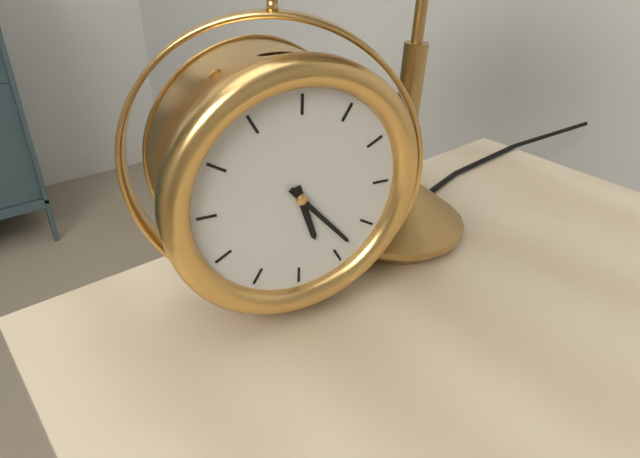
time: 5:23
